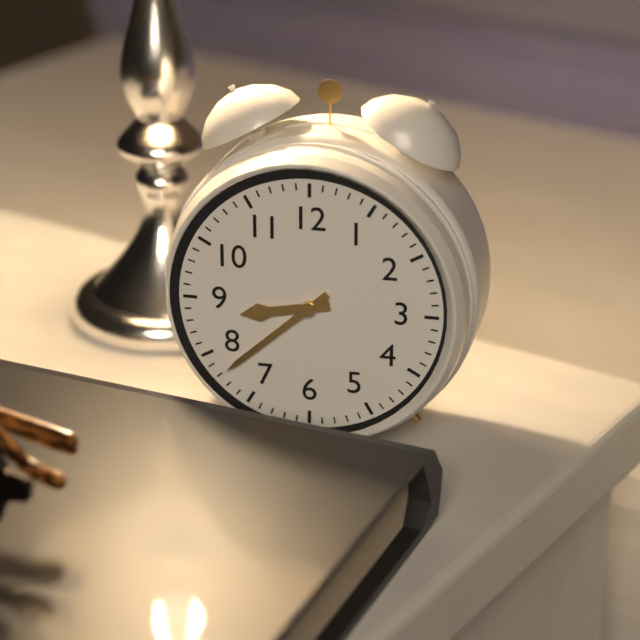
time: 8:38
